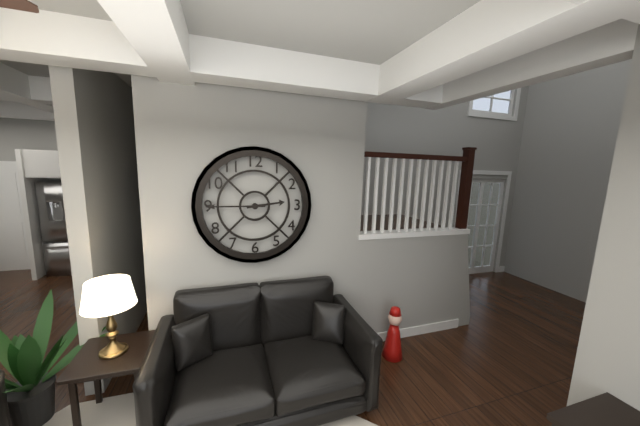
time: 2:45
